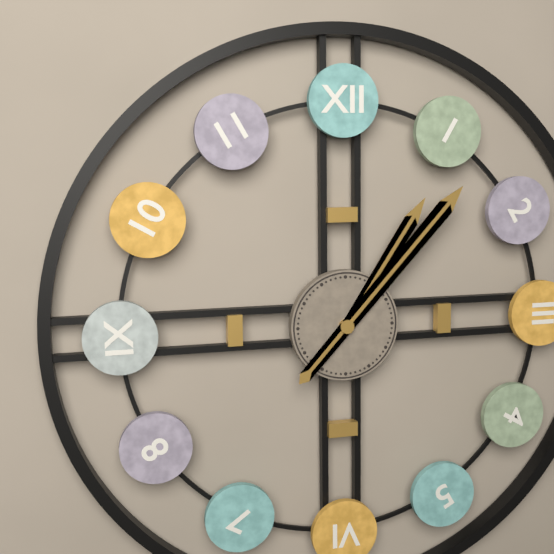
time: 1:07
